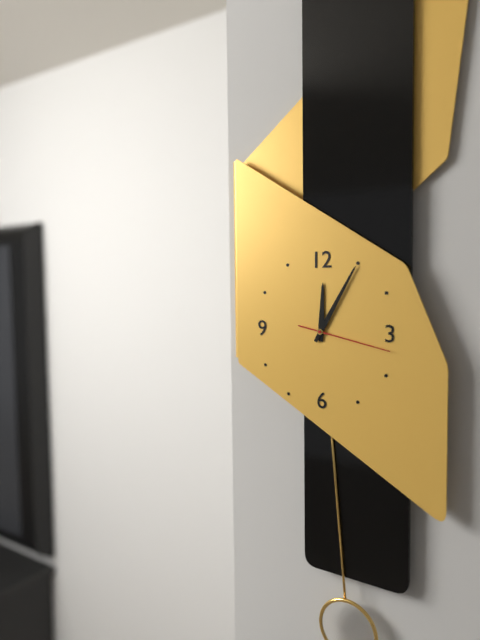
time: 12:05:17
